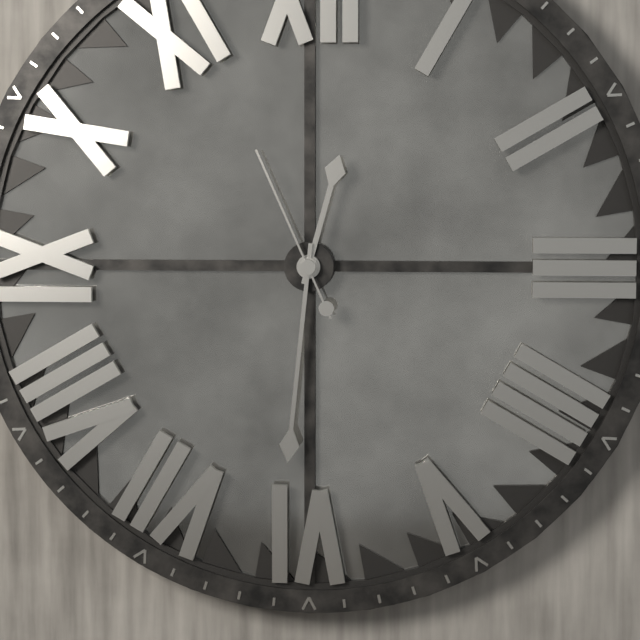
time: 12:31:56
